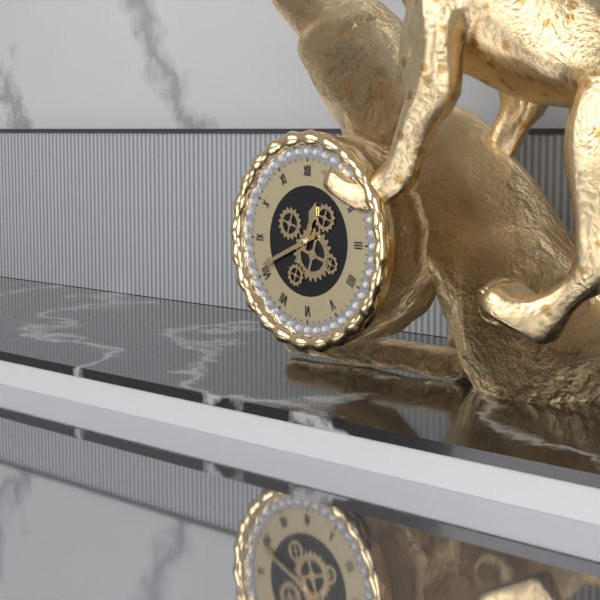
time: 12:41
